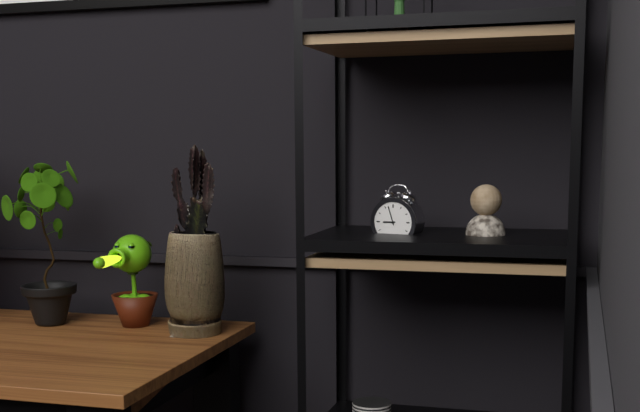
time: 8:57
